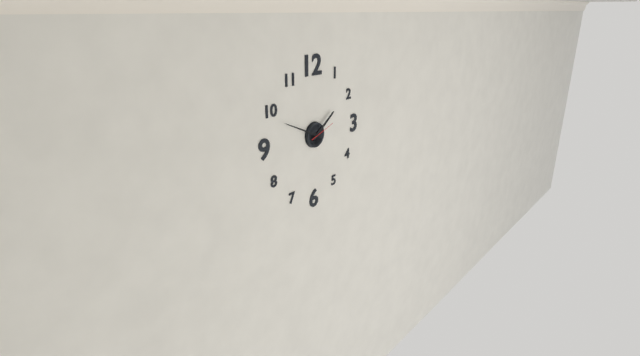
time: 1:49
